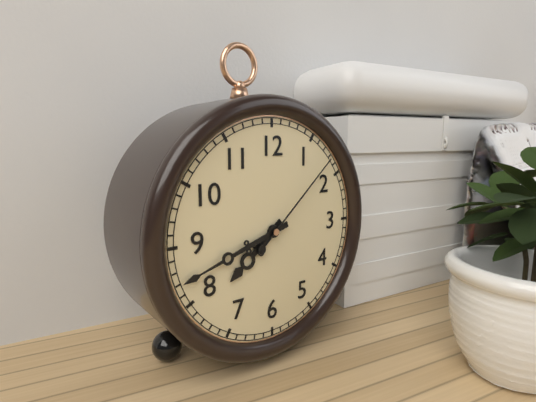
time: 7:42:08
